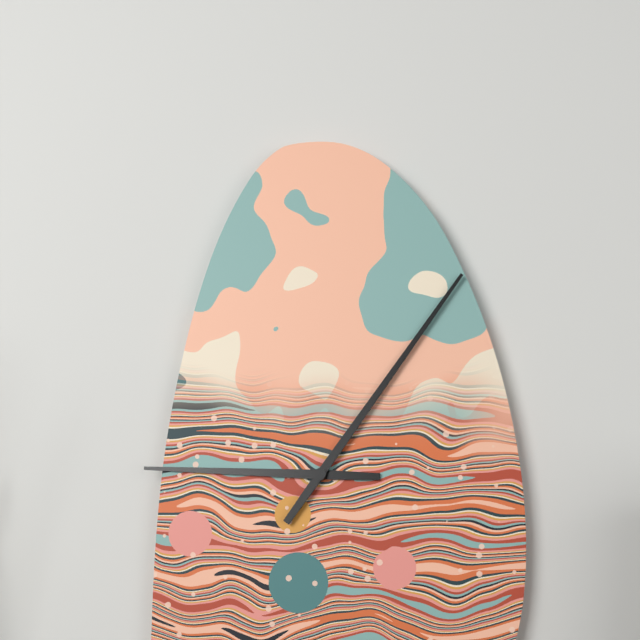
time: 9:06
